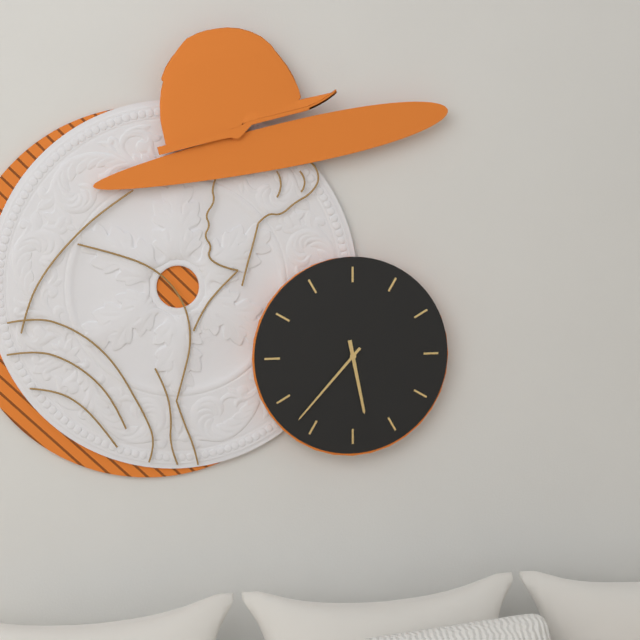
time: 5:37
